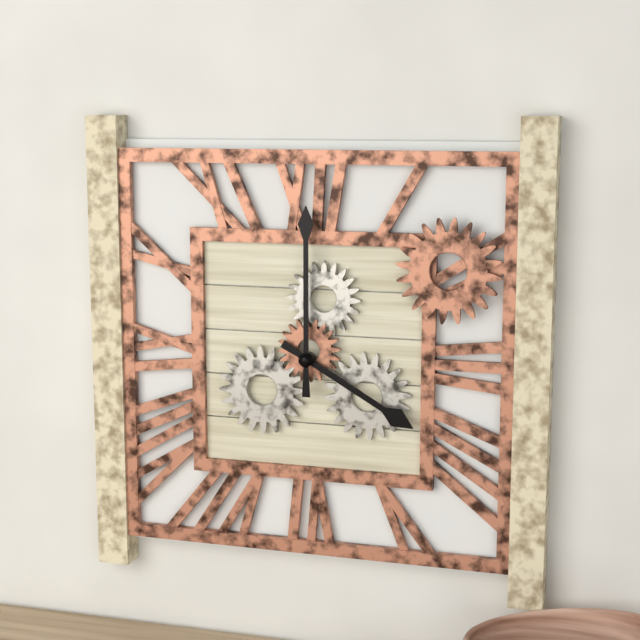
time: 4:00
